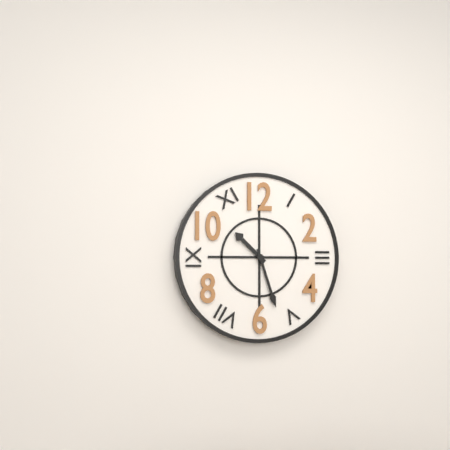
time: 10:27
